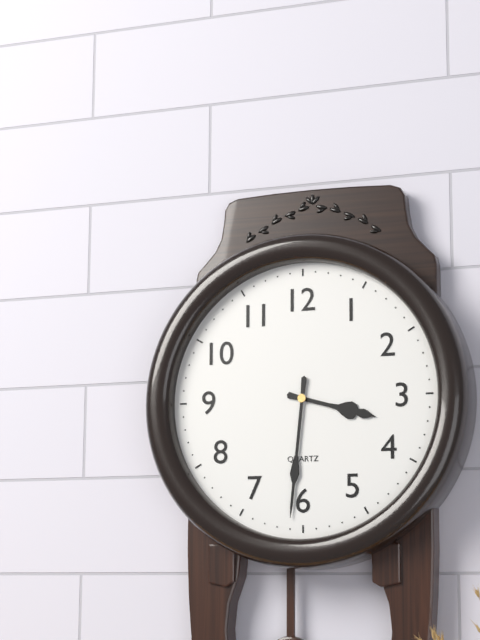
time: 3:31
